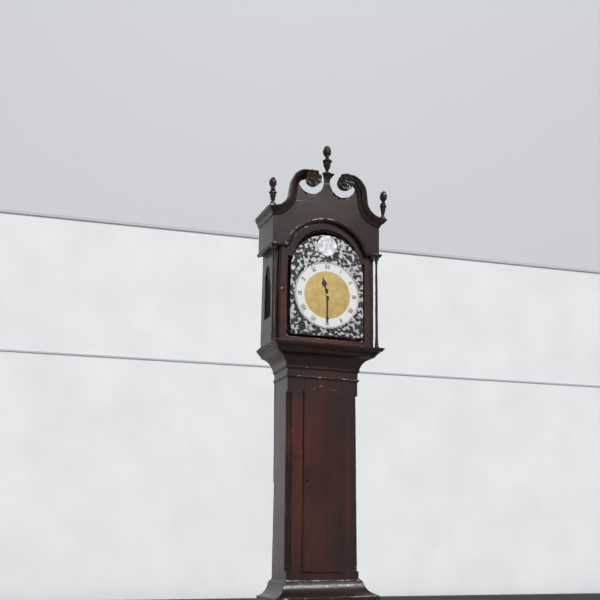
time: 11:30
